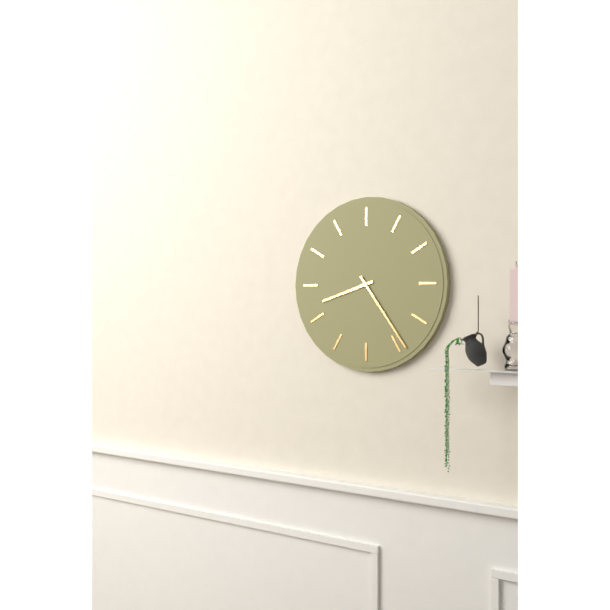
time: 8:24
